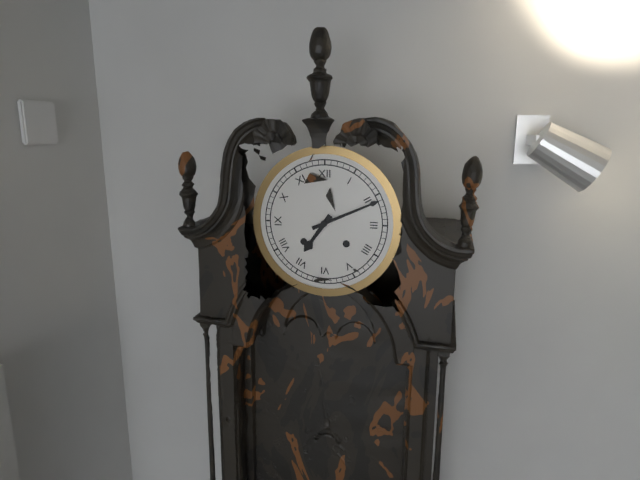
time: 7:11
